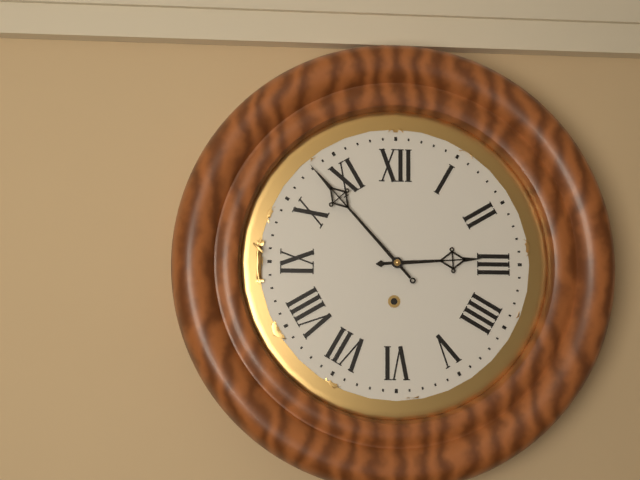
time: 2:53
